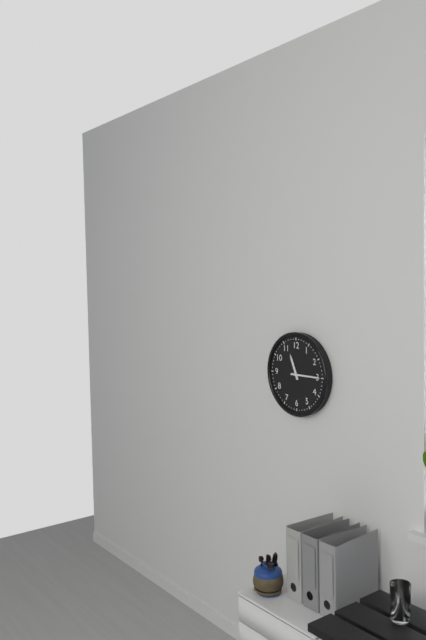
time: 11:15
